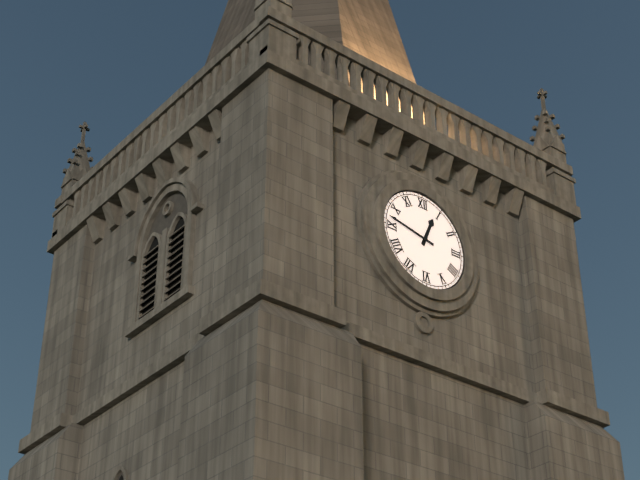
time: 12:47
